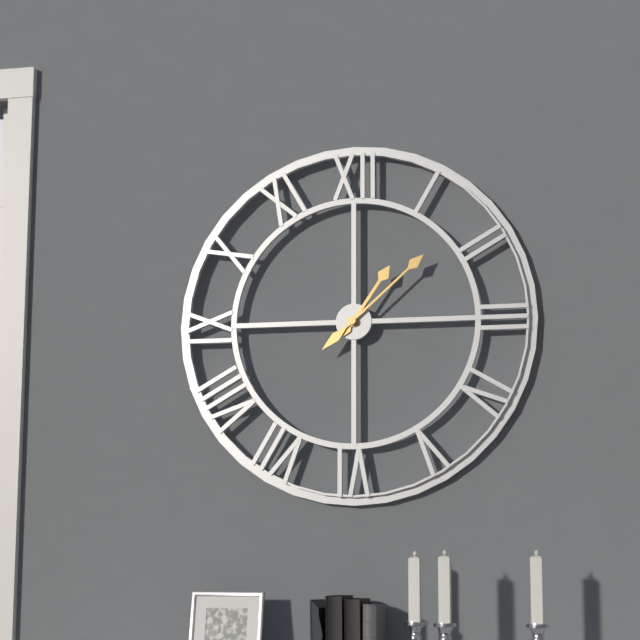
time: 1:08
